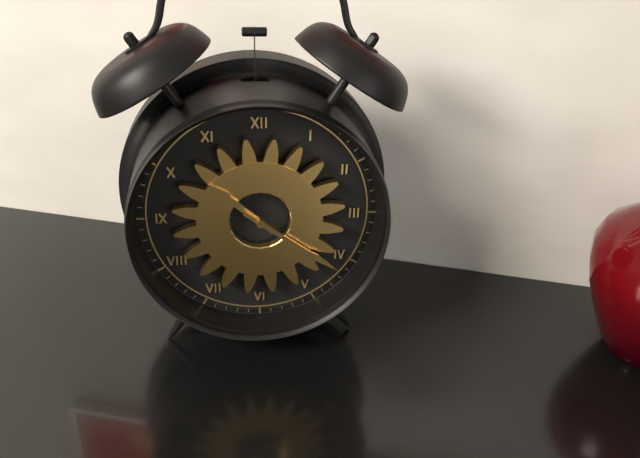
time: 10:21
